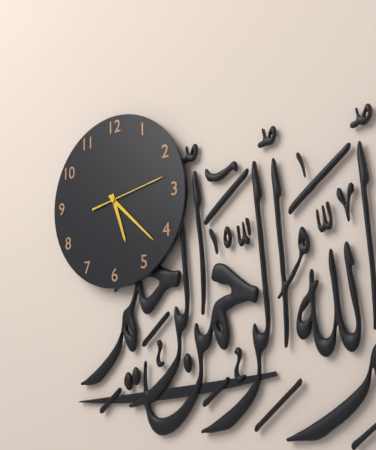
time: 5:22:13
